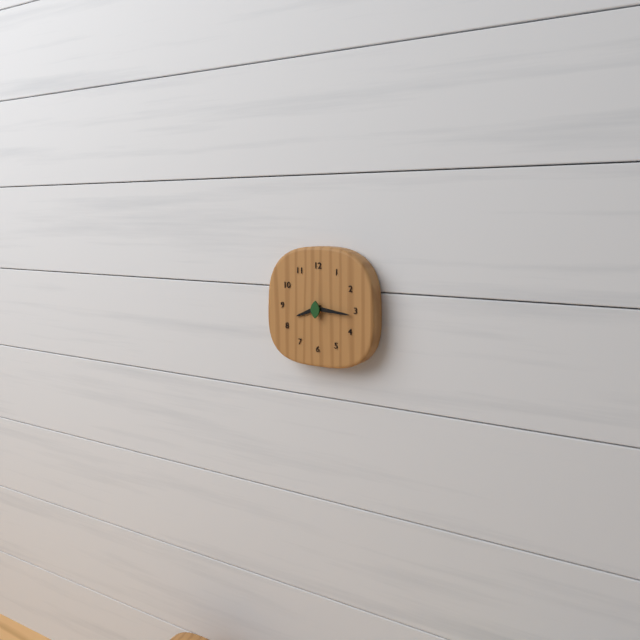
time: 8:16
